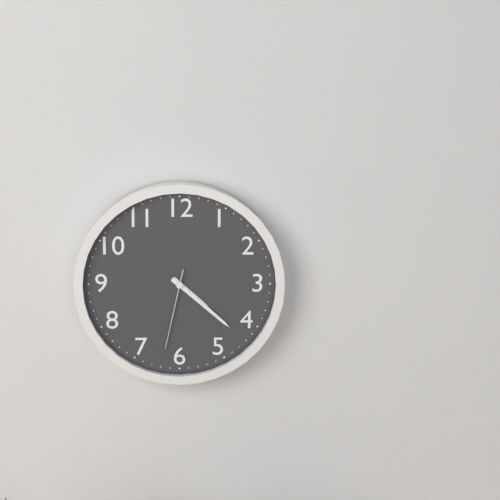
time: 4:22:32
